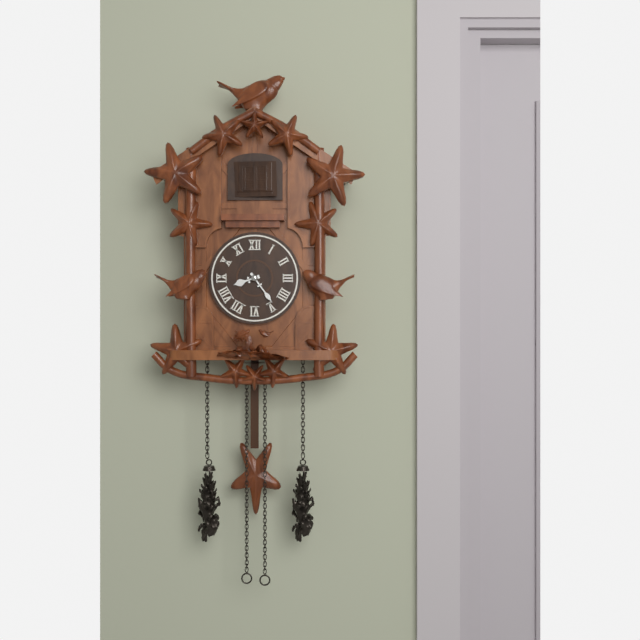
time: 8:24
